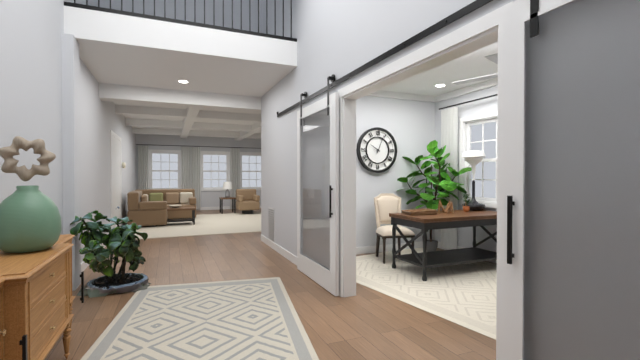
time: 10:04
